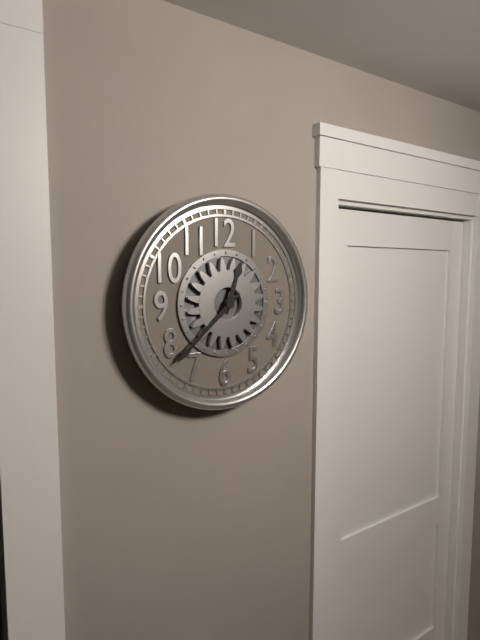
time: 12:38
